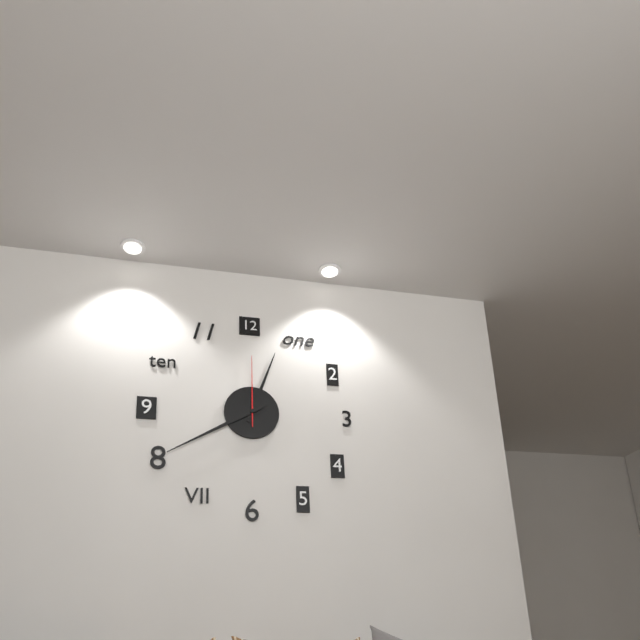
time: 12:40:00
